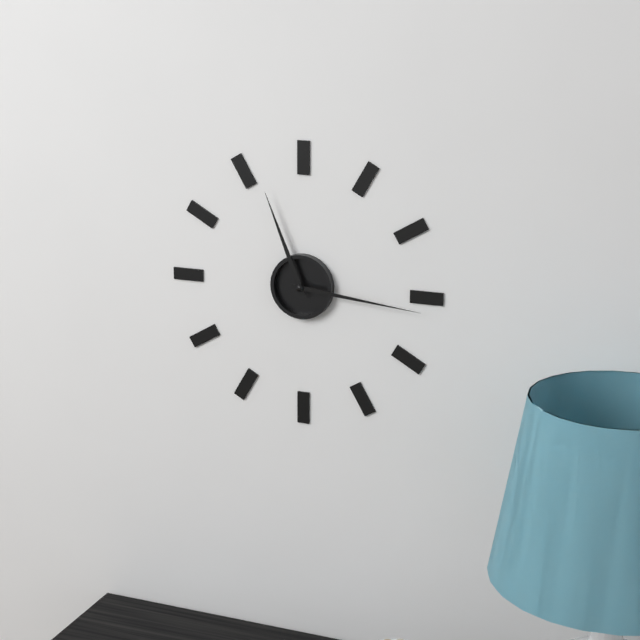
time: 11:16
